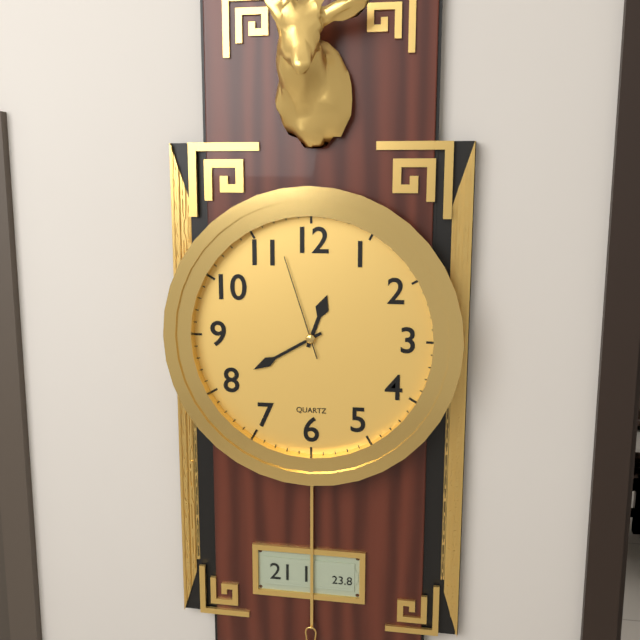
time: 12:40:57
